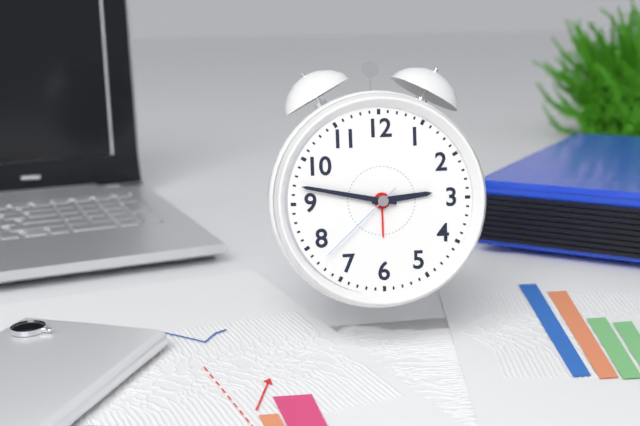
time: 2:47:38
